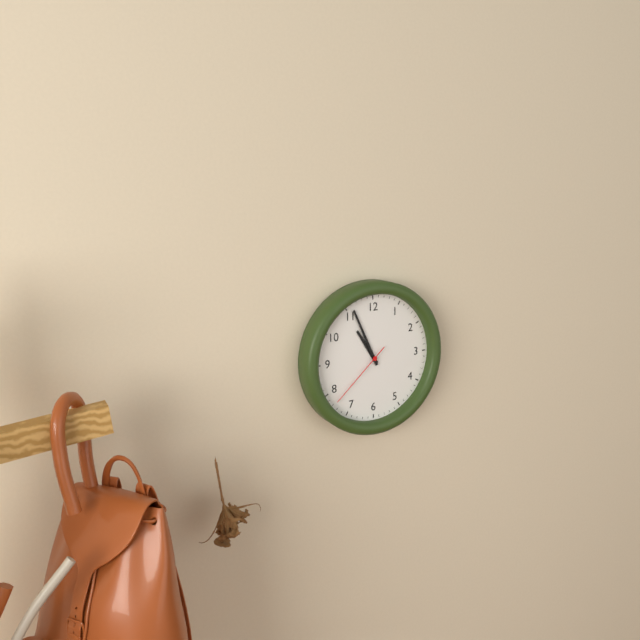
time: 10:56:38
